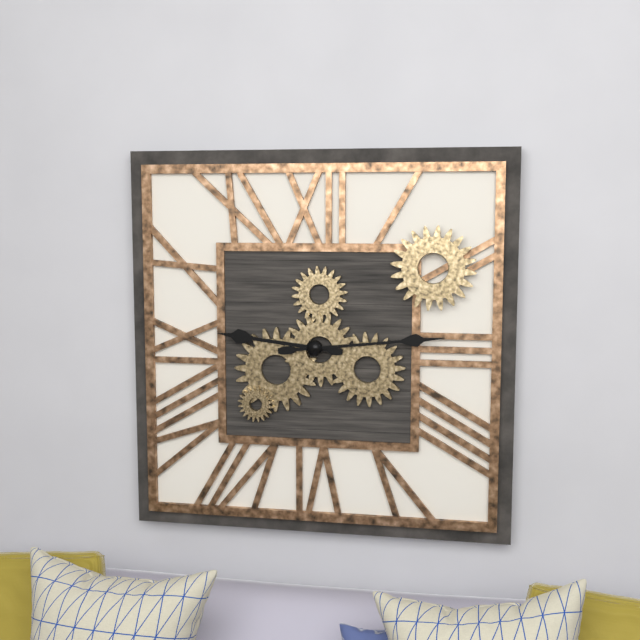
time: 9:14
